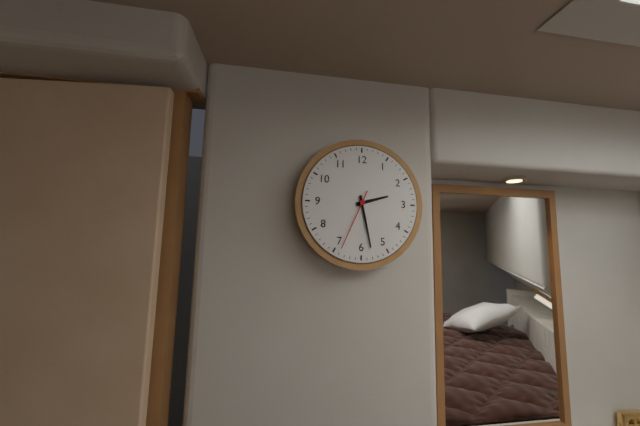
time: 2:28:34
